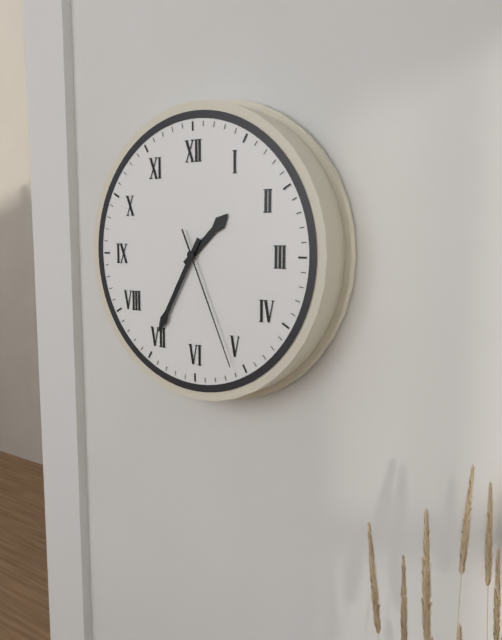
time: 1:35:26
